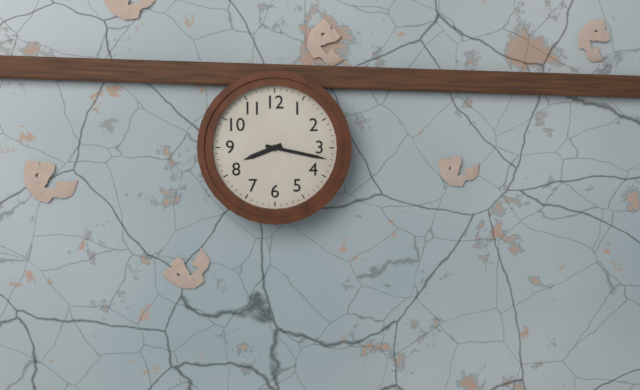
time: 8:17
